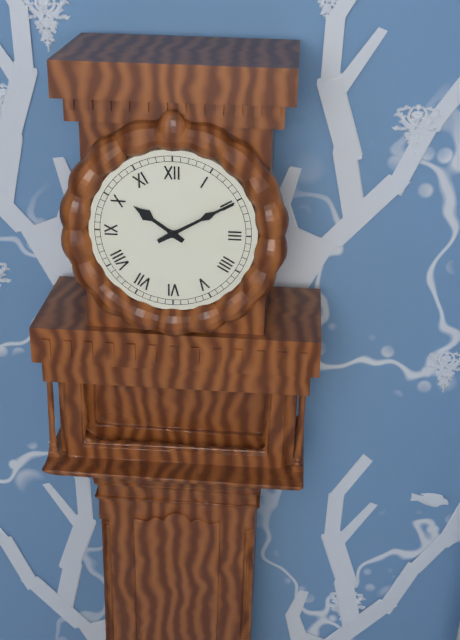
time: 10:10
